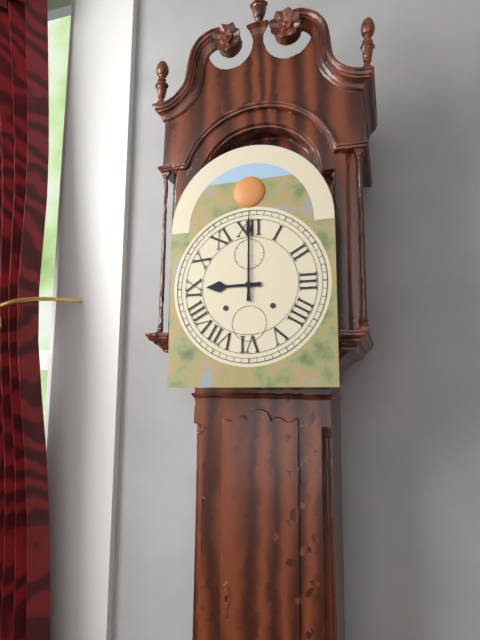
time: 9:00
